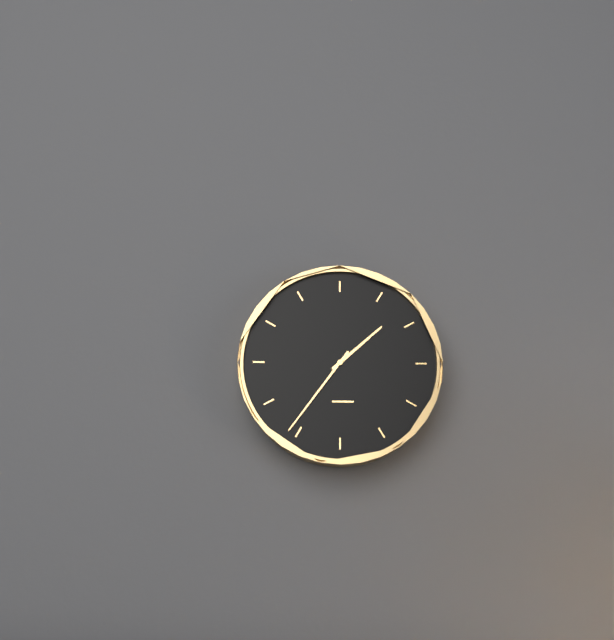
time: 1:36
